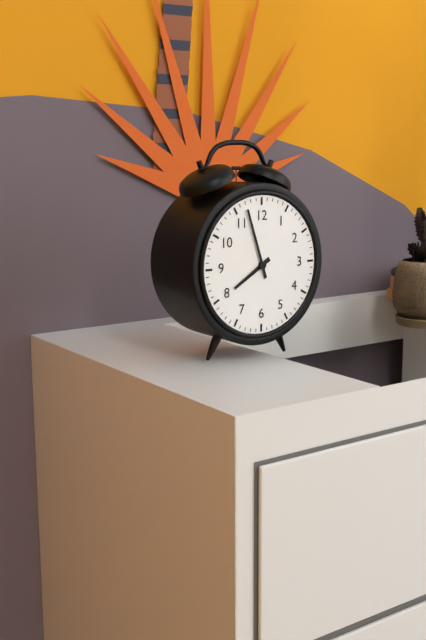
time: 7:57
